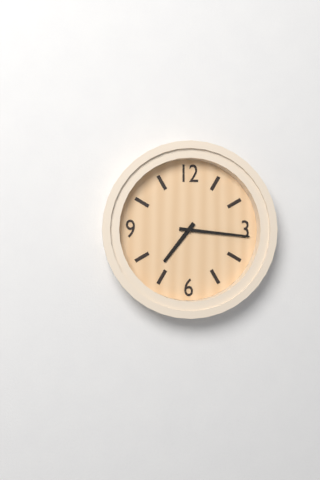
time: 7:16
